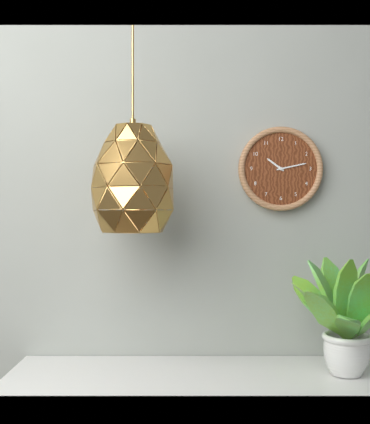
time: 10:13
